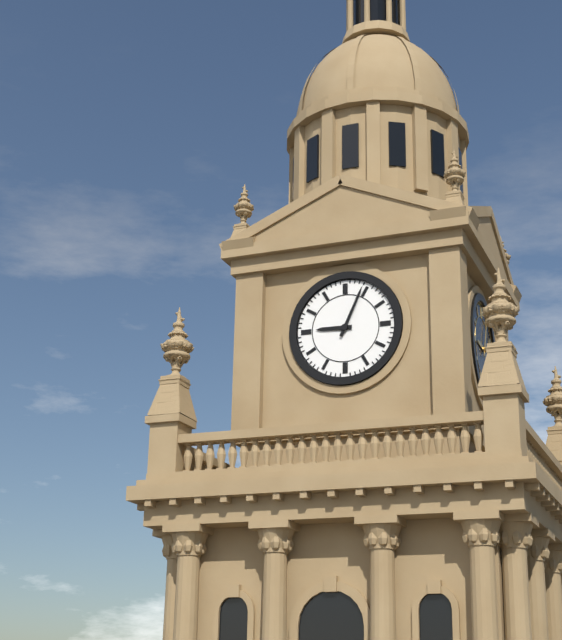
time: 9:04
